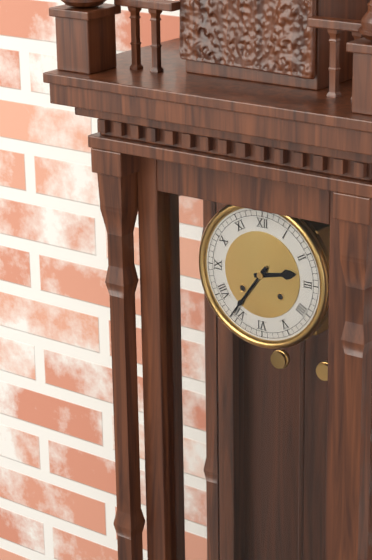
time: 2:36
